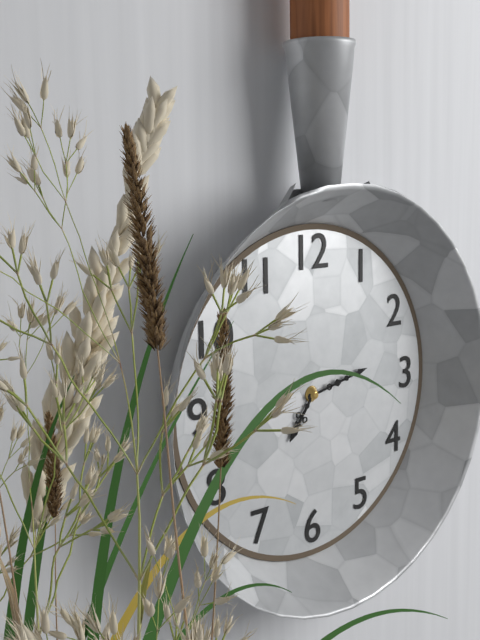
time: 7:13
